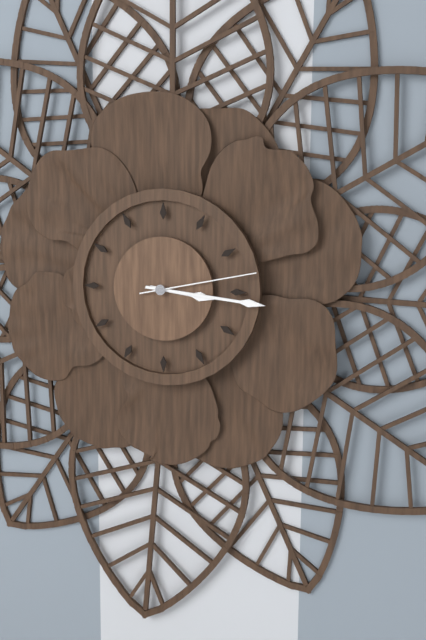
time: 3:16:13
